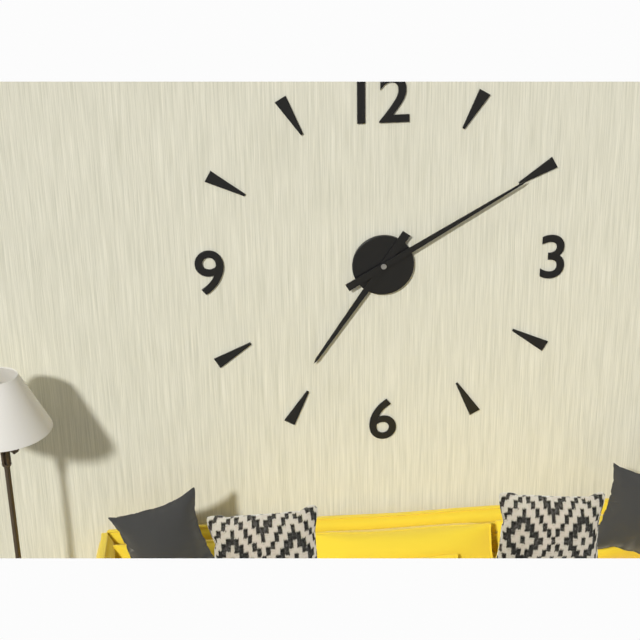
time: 7:10
